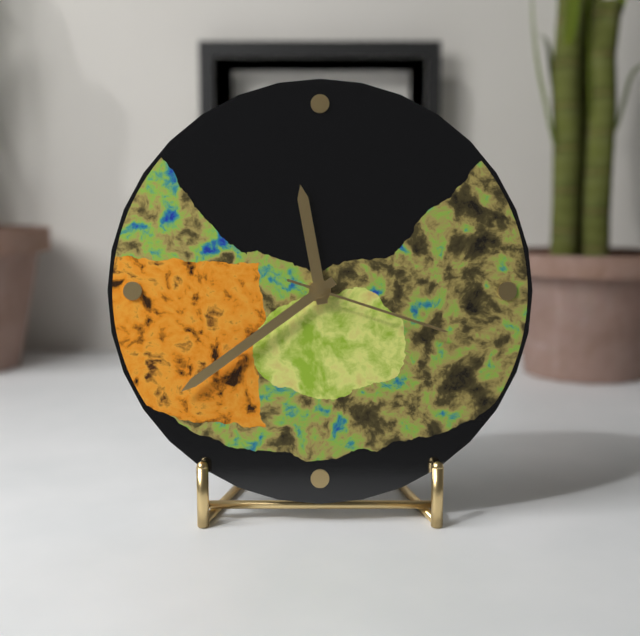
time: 11:39:18
